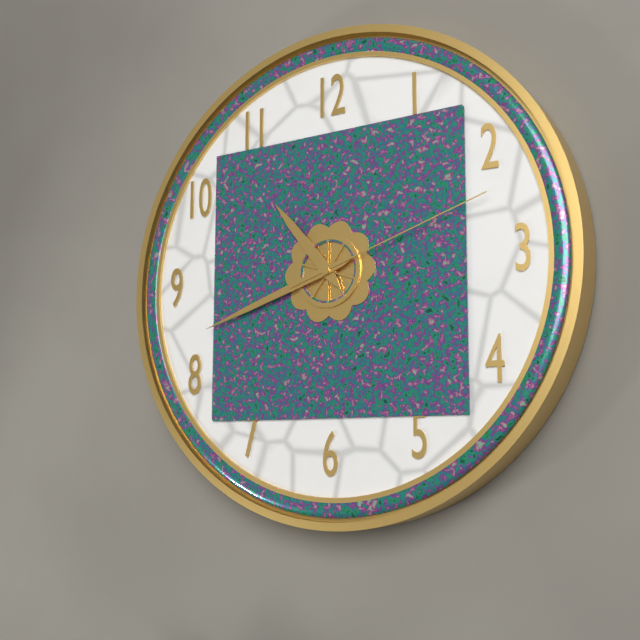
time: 10:42:12
